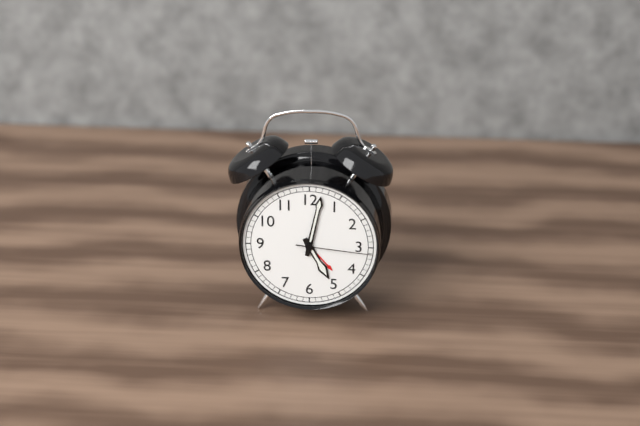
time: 5:02:16
